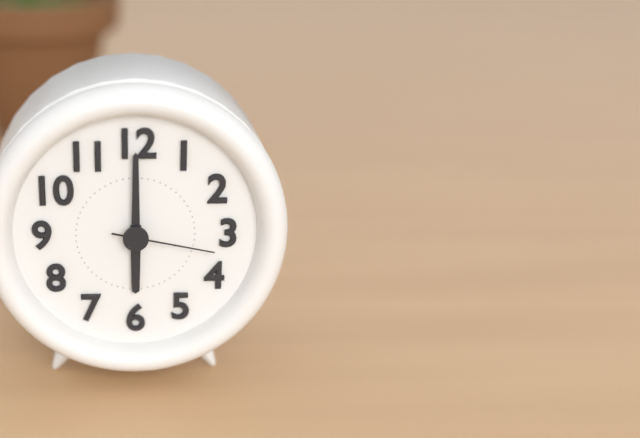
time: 6:00:17
